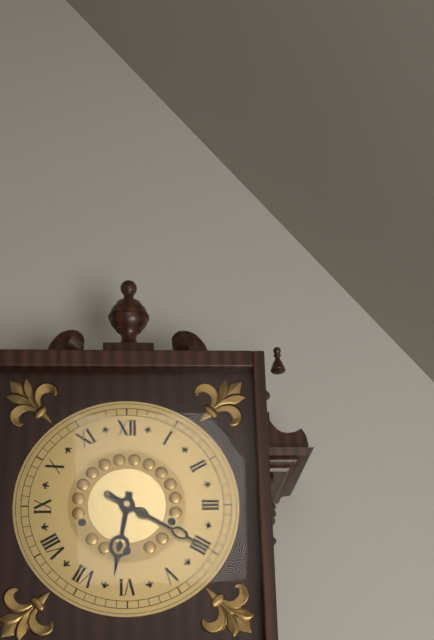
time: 6:20
